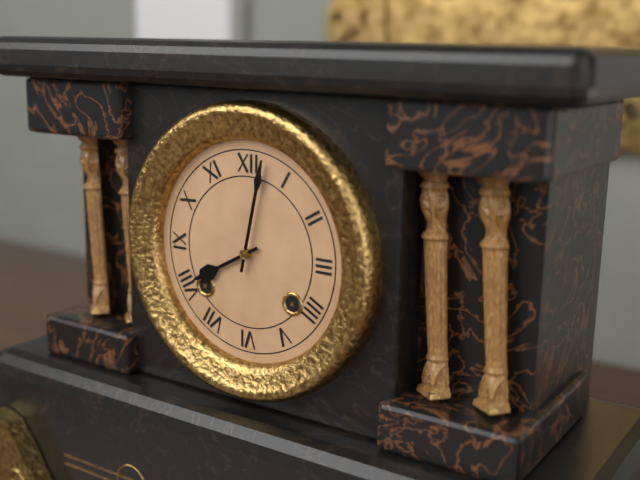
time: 8:02
